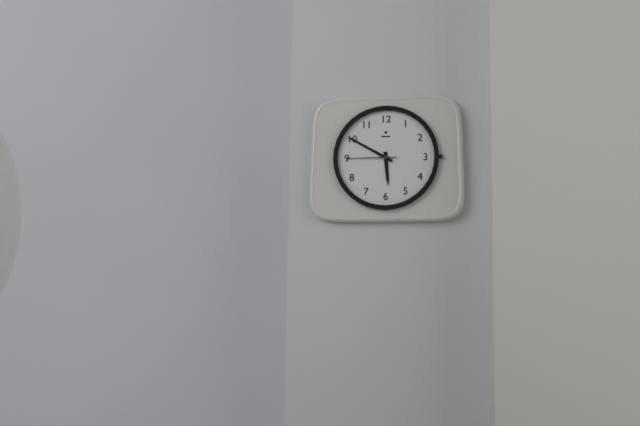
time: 5:50
